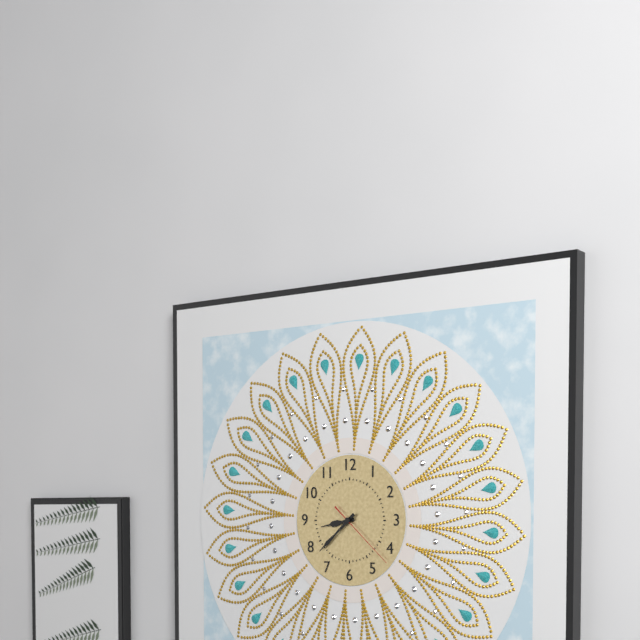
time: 8:38:22
